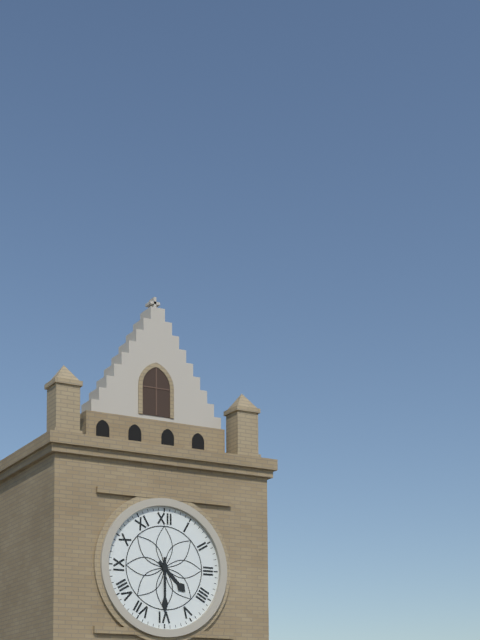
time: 4:30
